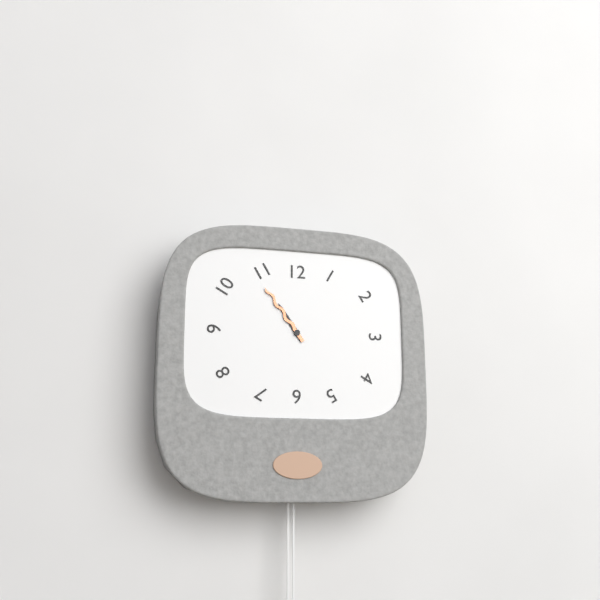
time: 10:54
